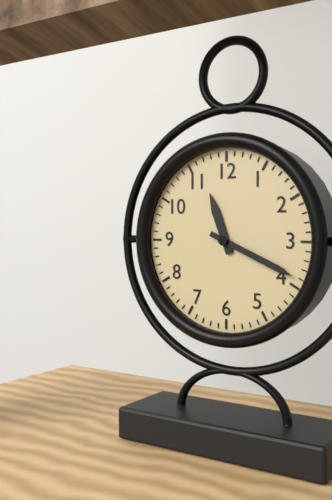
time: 11:19
